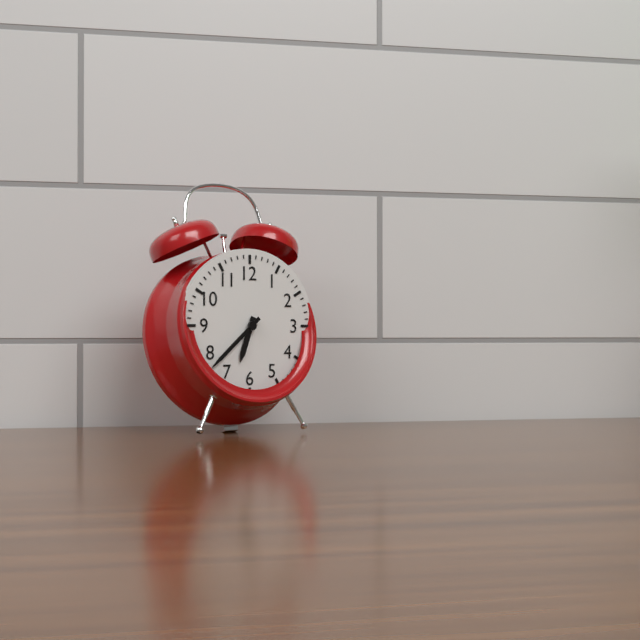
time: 6:38
